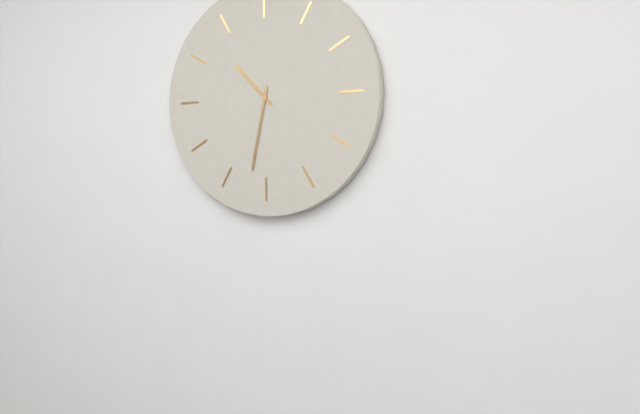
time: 10:32
